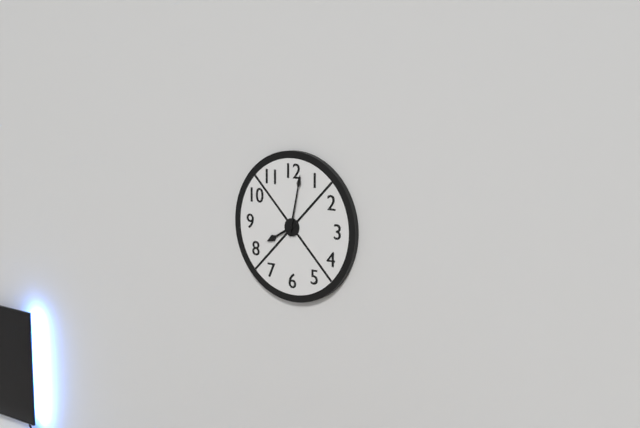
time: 8:02
